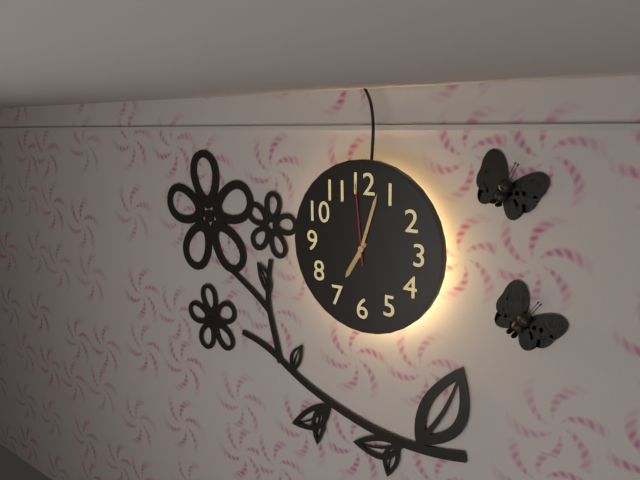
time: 7:03:59
